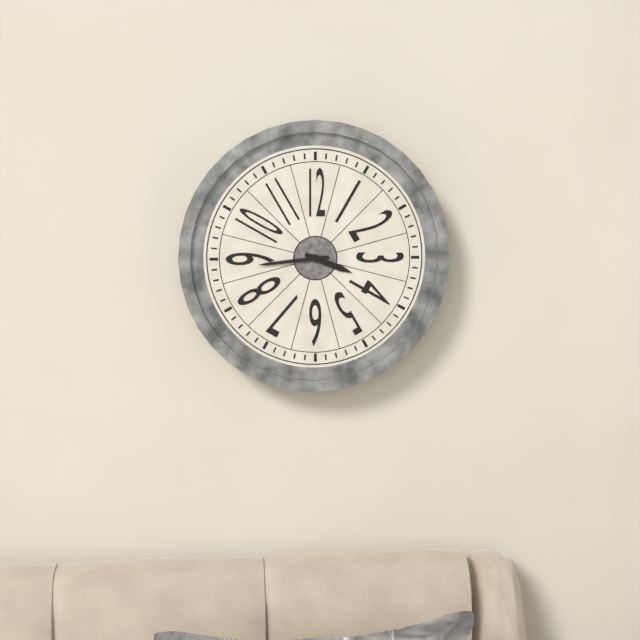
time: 3:44
